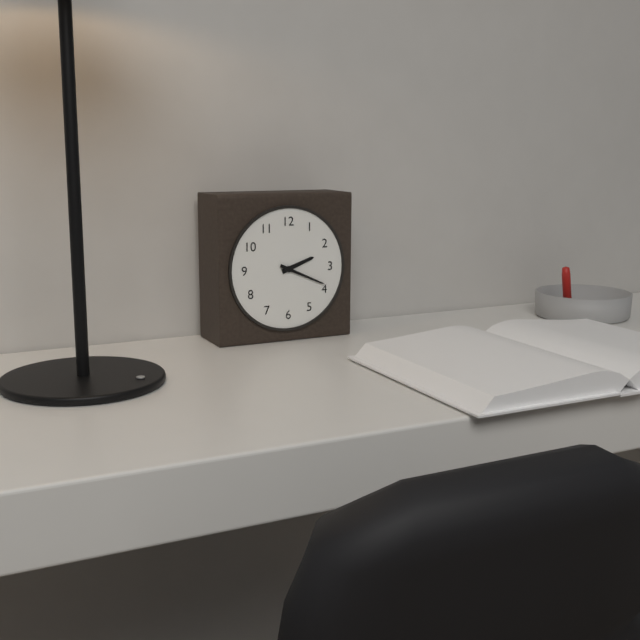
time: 2:19
